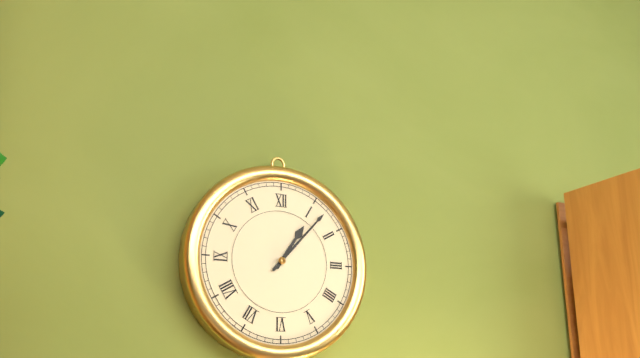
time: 1:07
